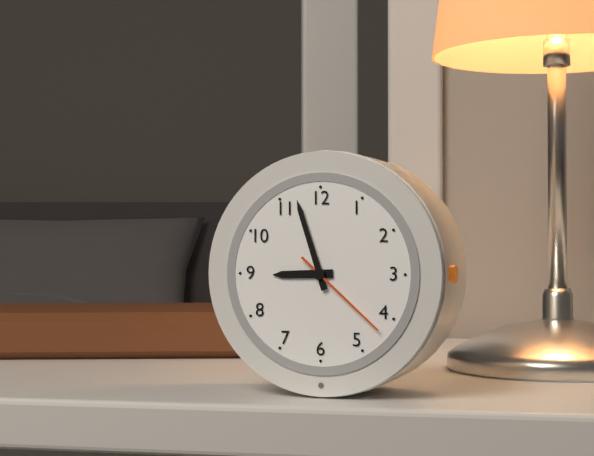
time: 8:57:22
